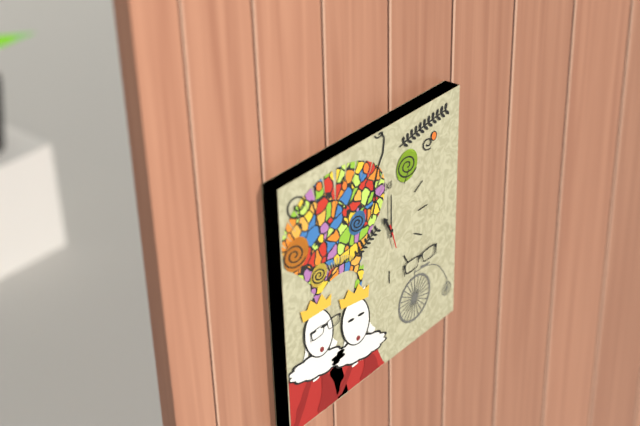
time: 11:00
